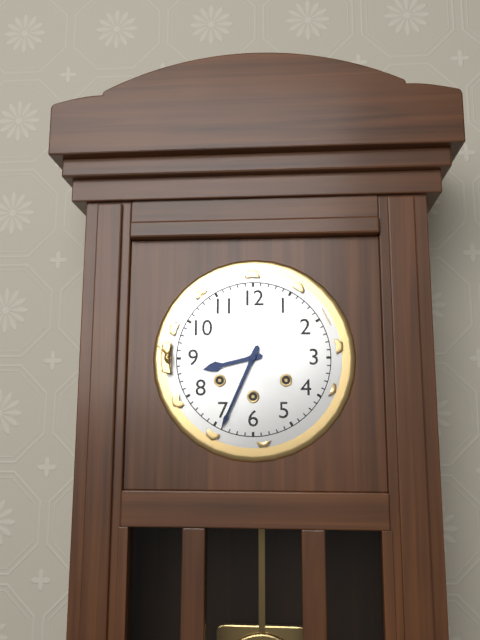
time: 8:34
